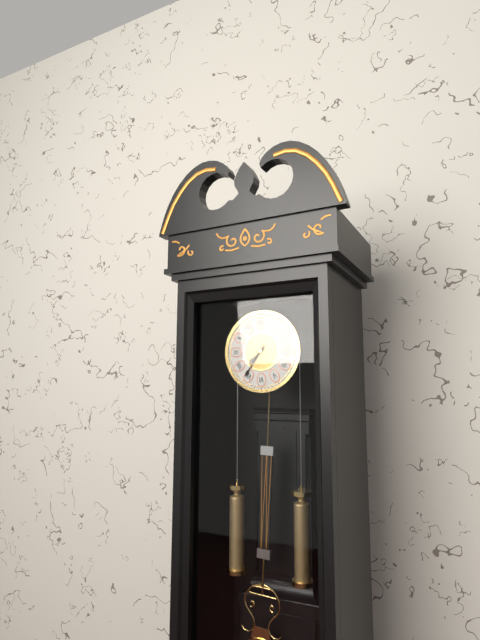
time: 7:36
